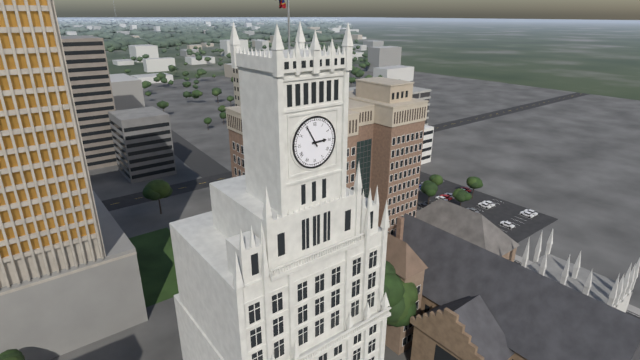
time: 2:55
